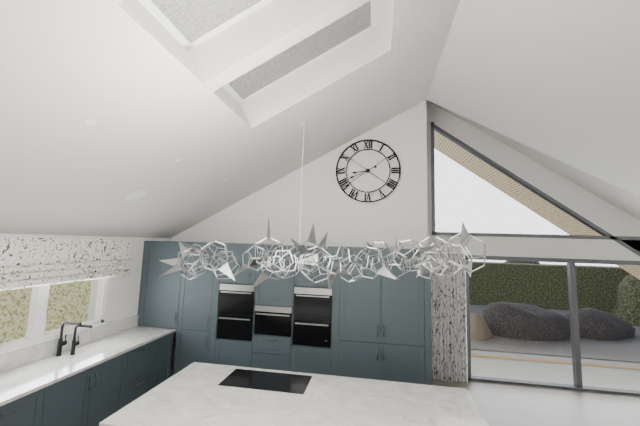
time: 8:41
